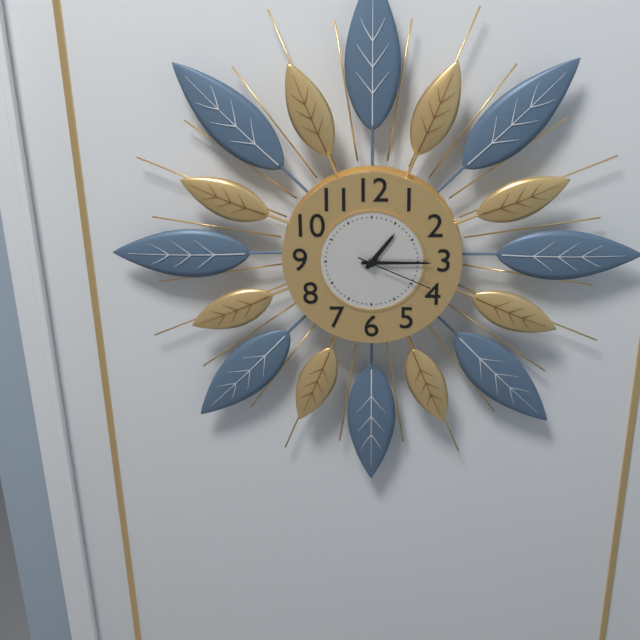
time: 1:15:19
